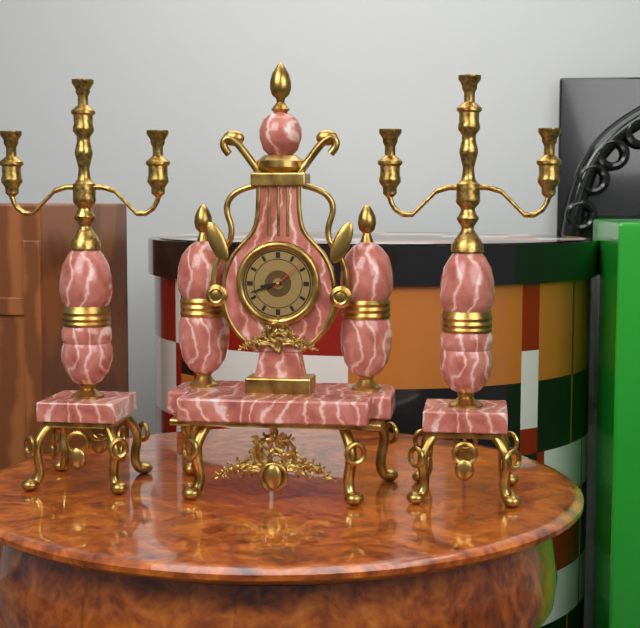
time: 8:42
